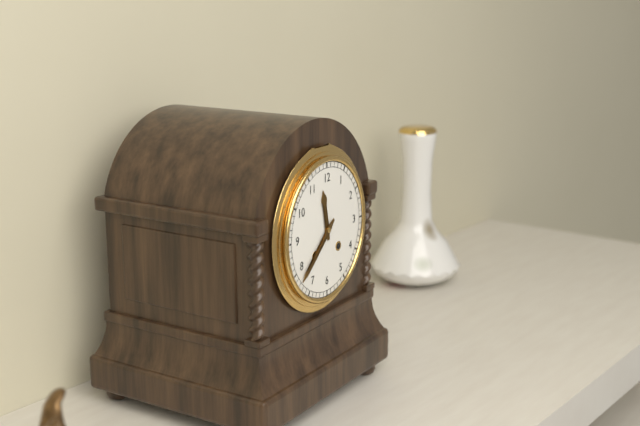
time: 11:38
